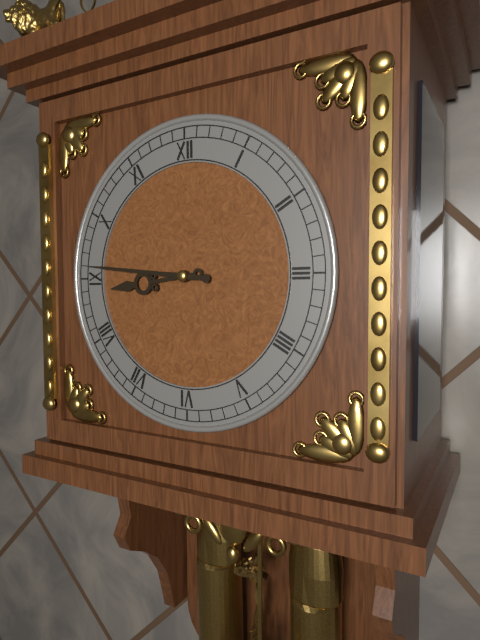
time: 8:46
